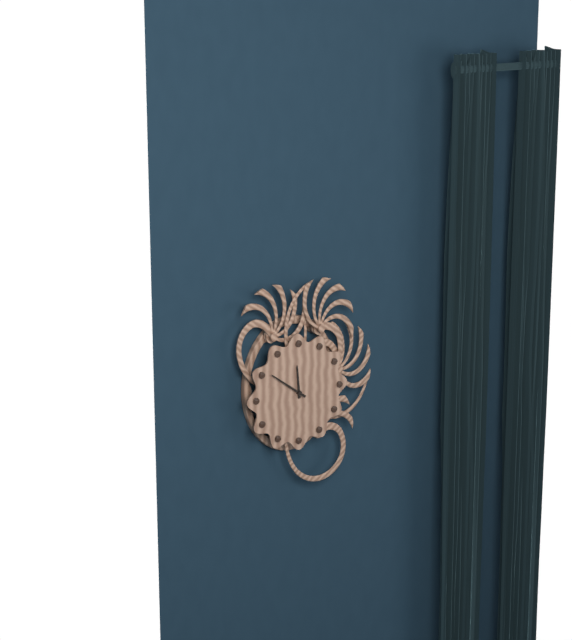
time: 11:51
